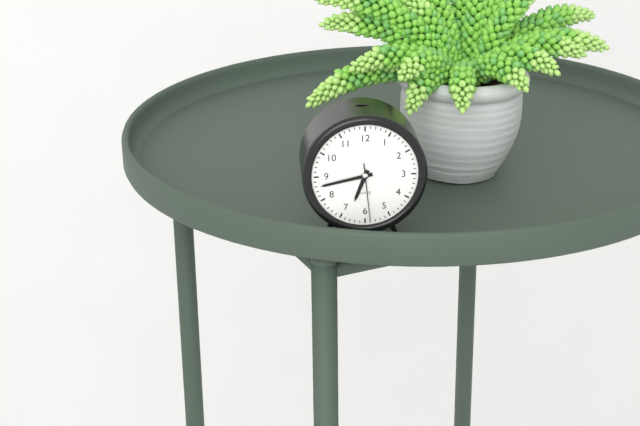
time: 6:43:29
